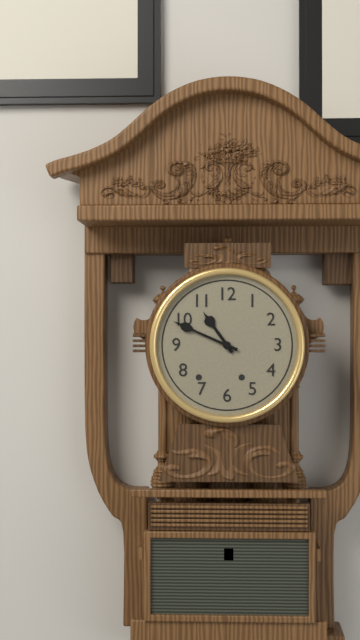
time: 10:49
